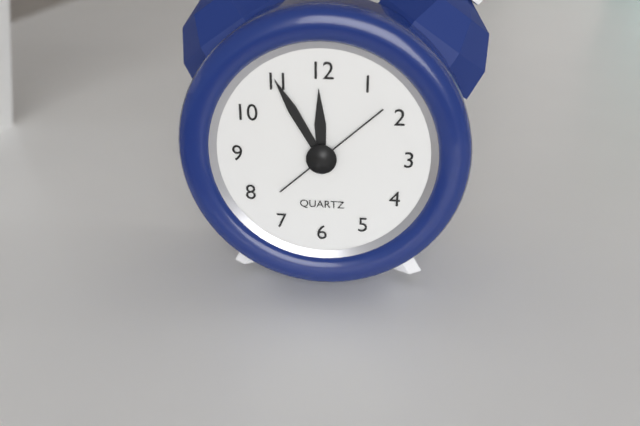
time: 11:55:08
